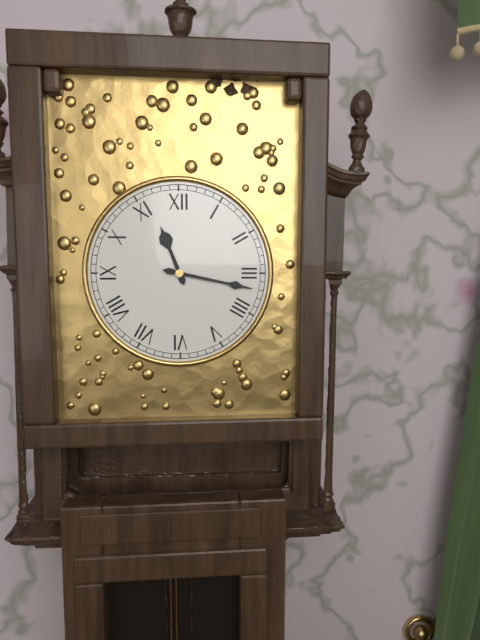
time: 11:17
